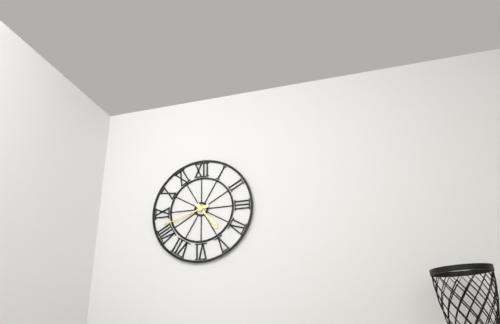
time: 4:42
